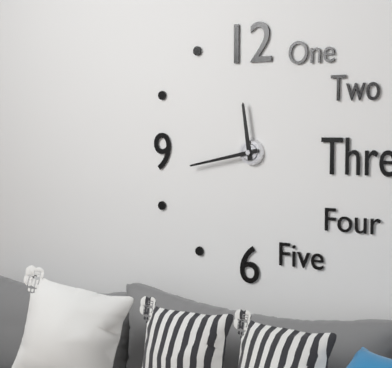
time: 11:43
